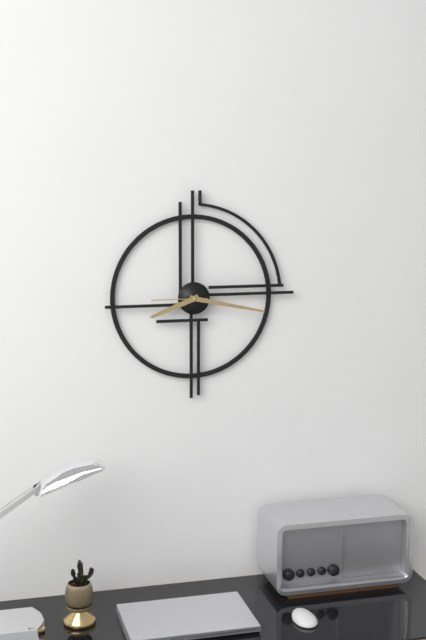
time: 8:17:45
